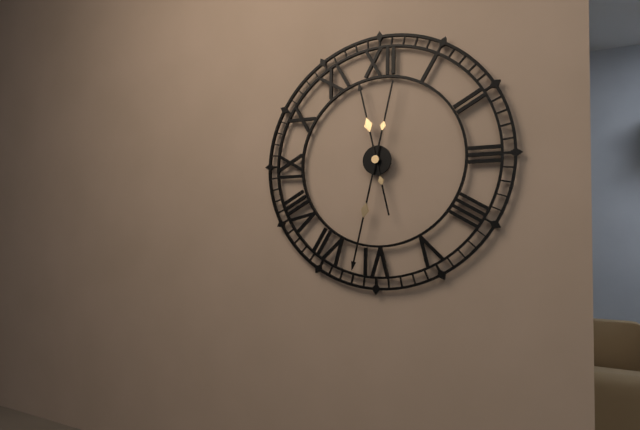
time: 11:32
